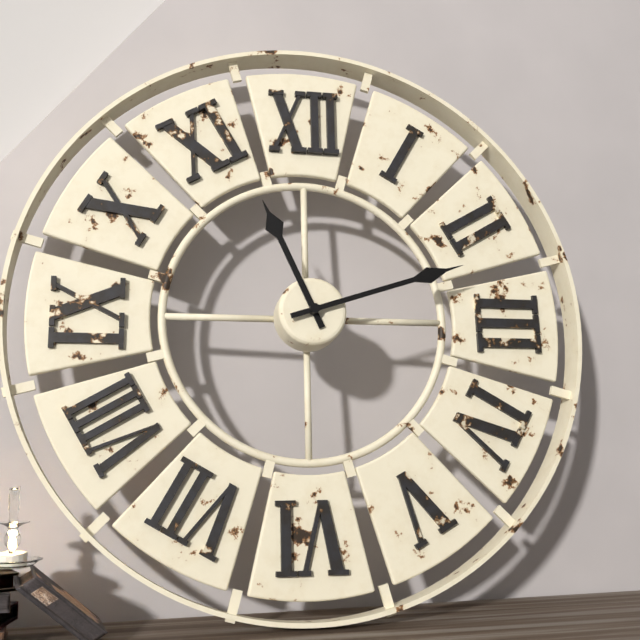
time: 11:12
